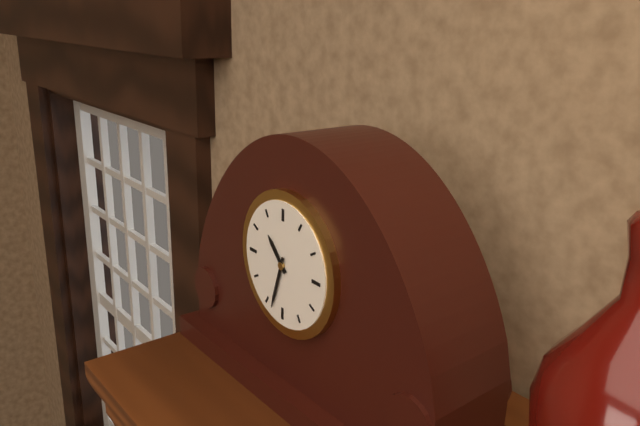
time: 10:33
